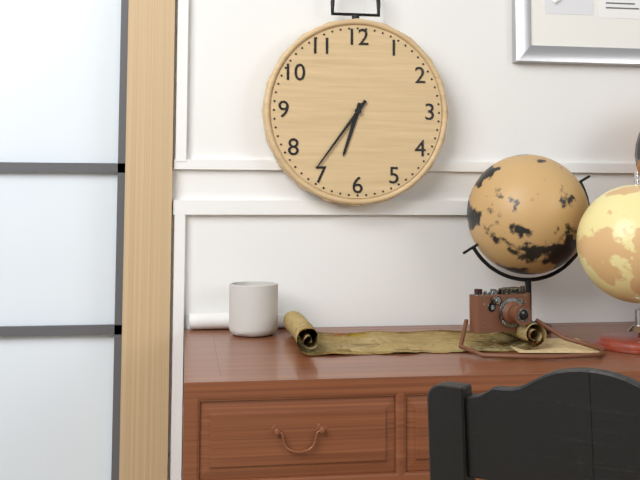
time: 6:36
